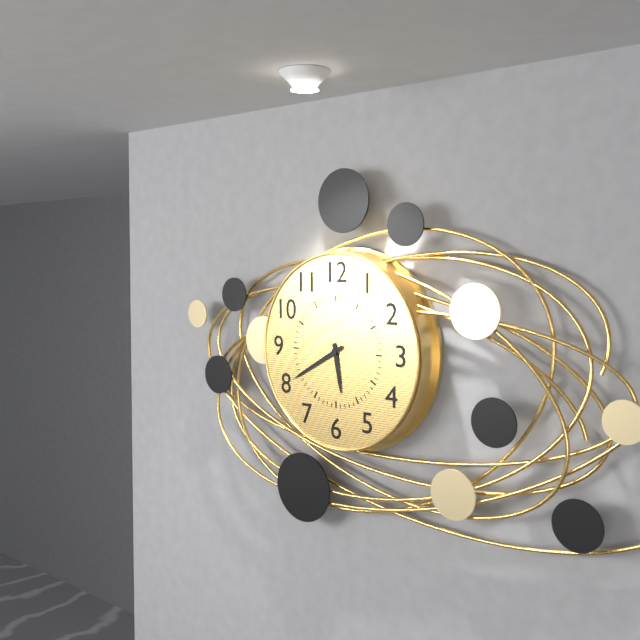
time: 5:40
